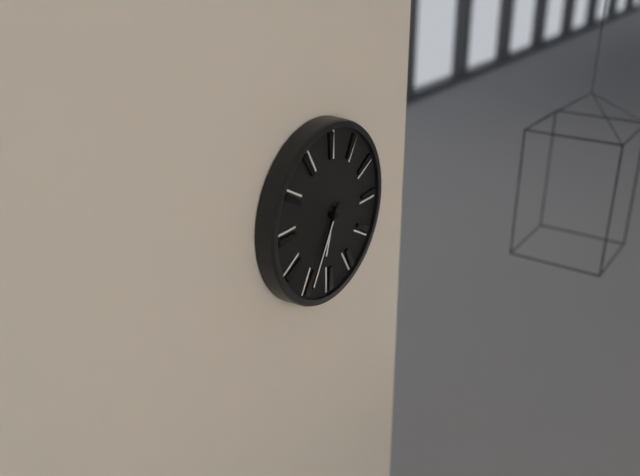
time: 6:35
